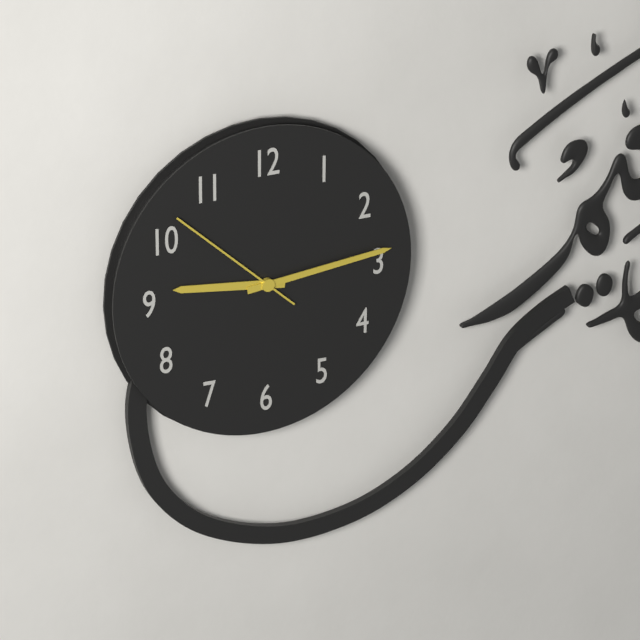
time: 9:14:52
